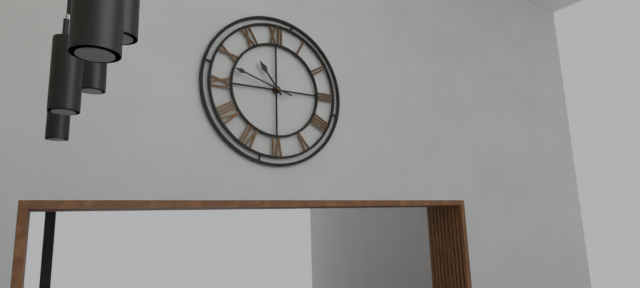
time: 10:48
